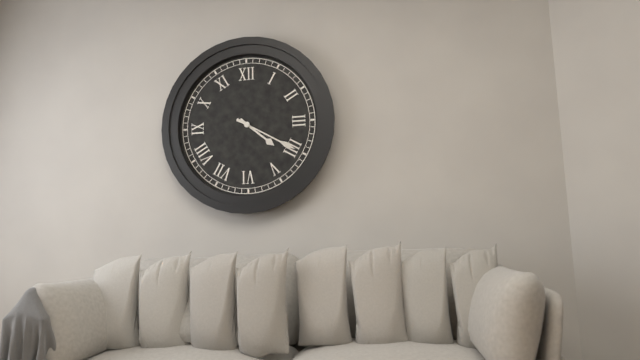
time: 4:20
